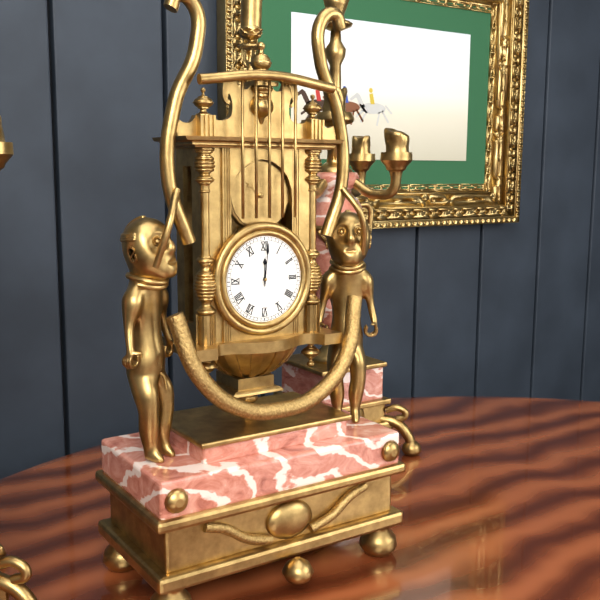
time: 12:01
